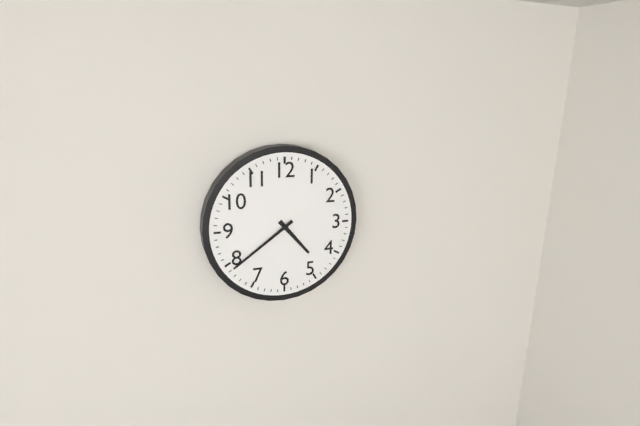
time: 4:39
